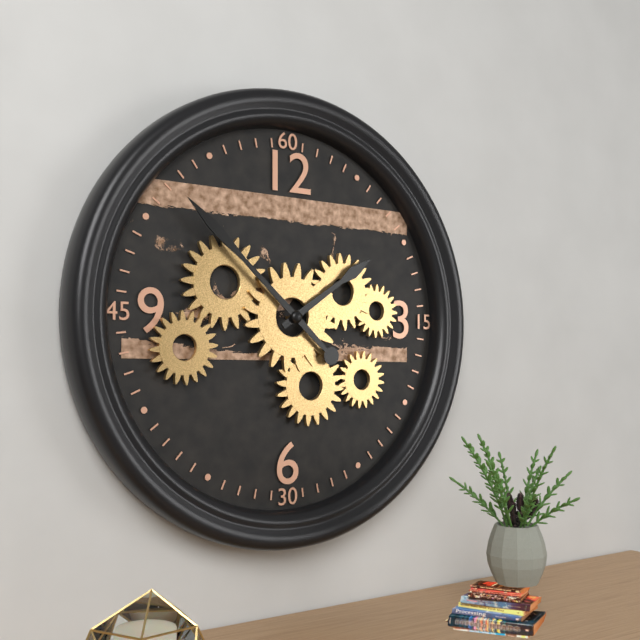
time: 1:52
